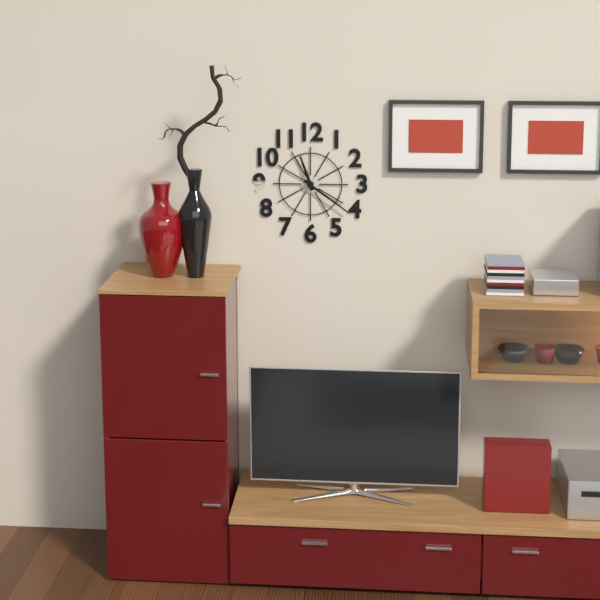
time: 11:21
